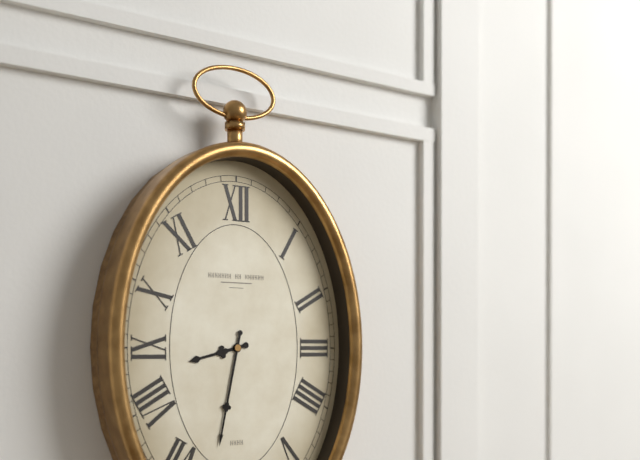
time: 8:32
